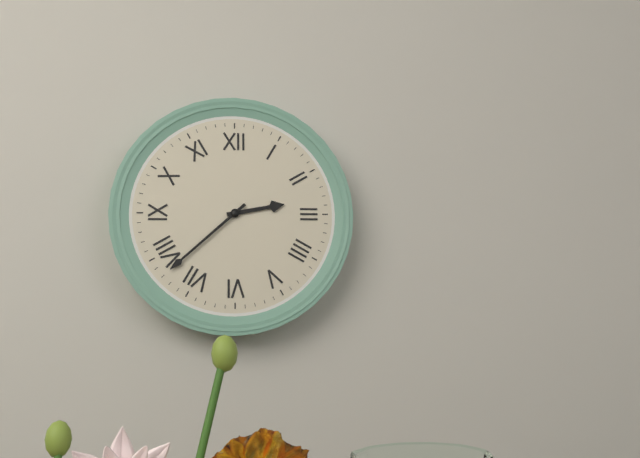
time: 2:38
